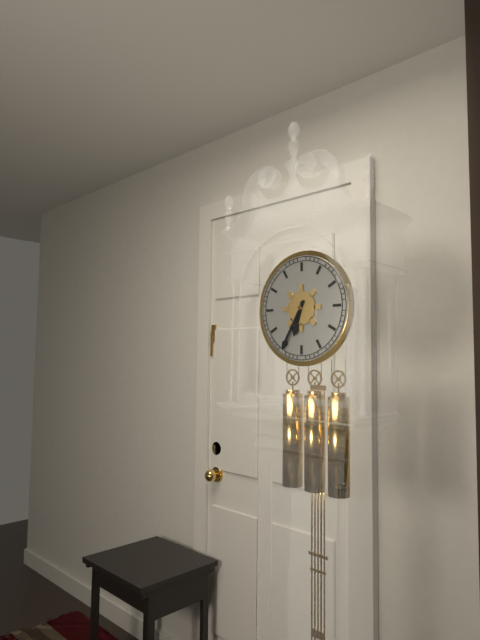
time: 6:35
